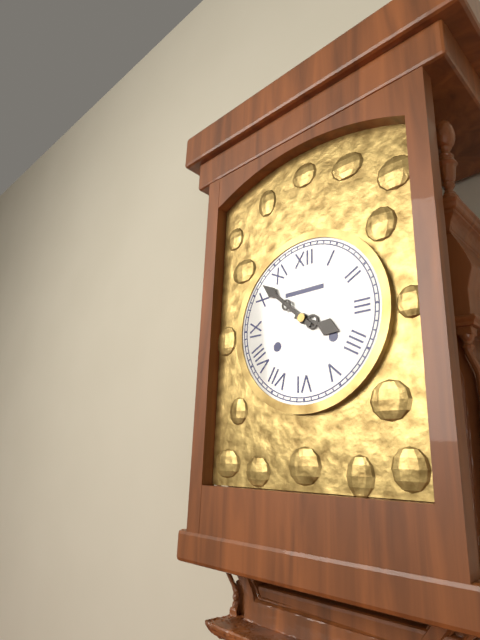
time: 3:52
